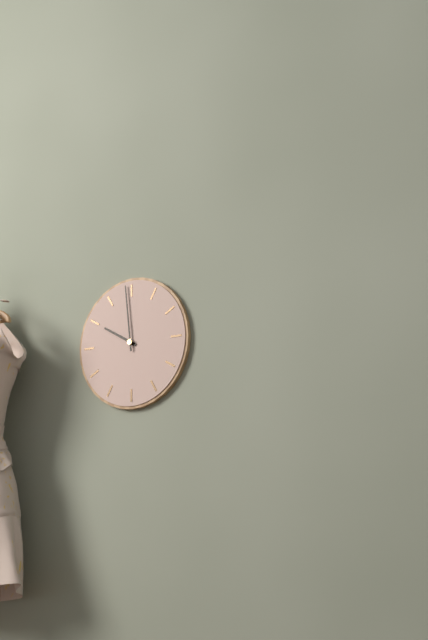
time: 9:59
